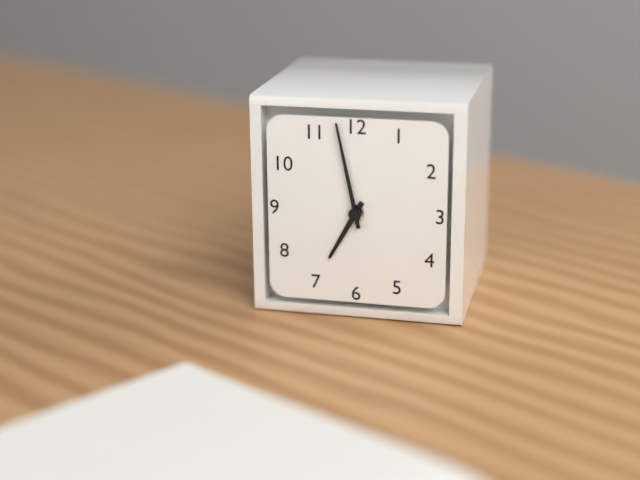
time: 6:58
